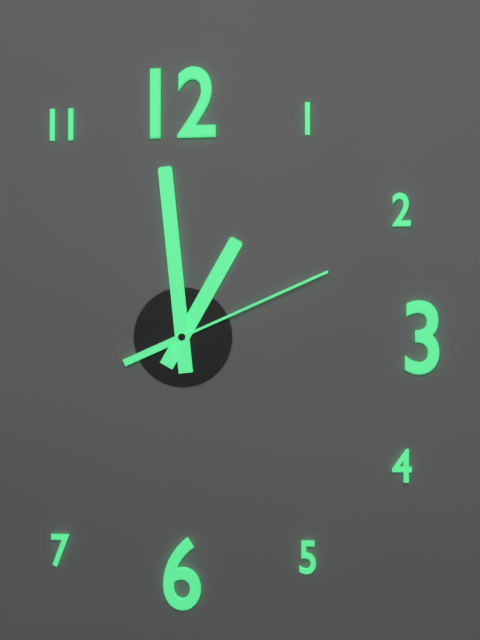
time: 12:59:11
